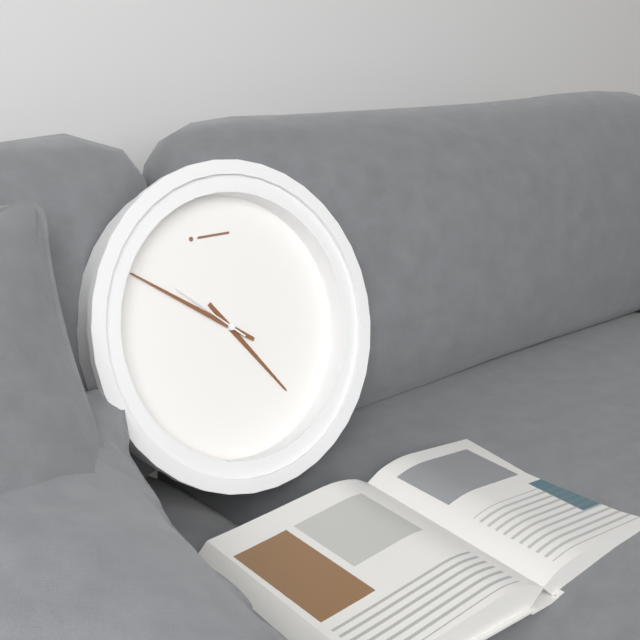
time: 4:51:52
